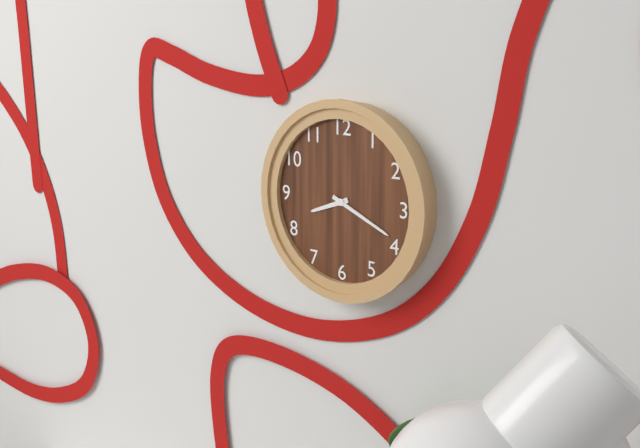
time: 8:19
